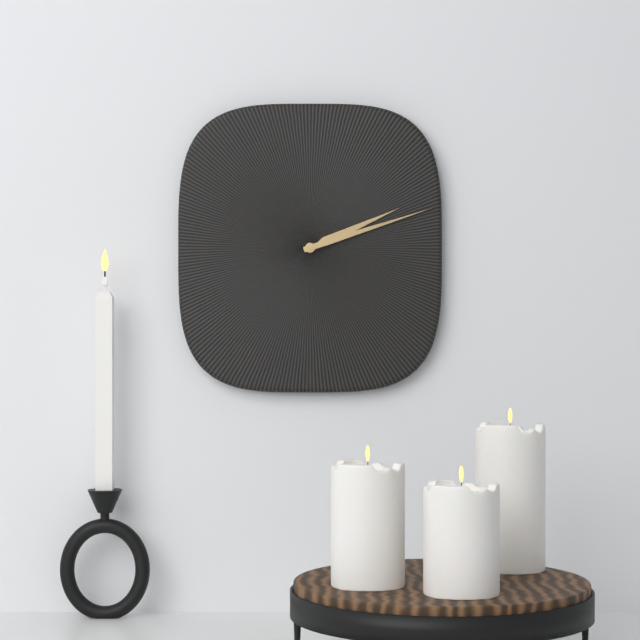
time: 2:12
